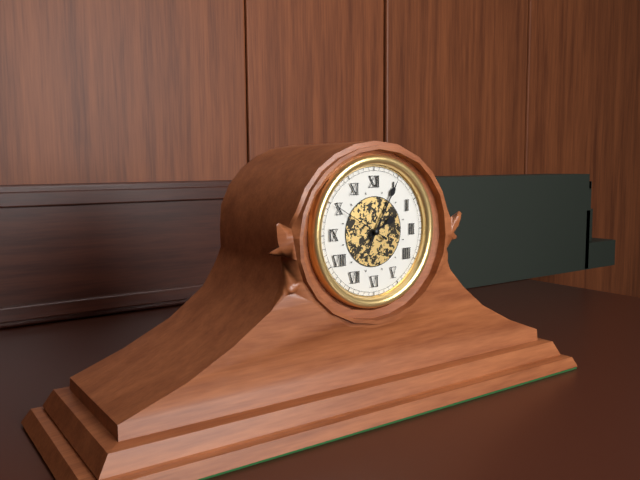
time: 2:05:50
